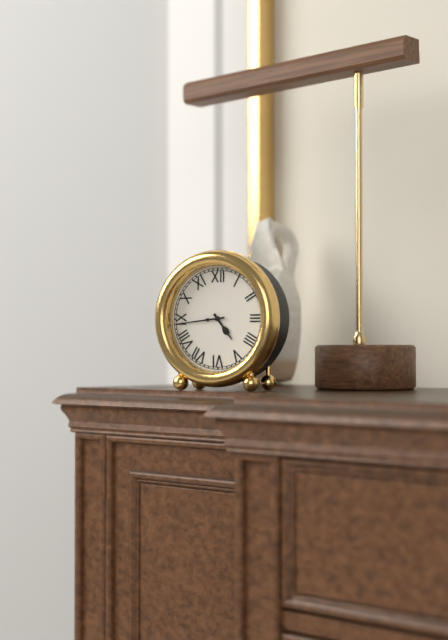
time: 4:44
